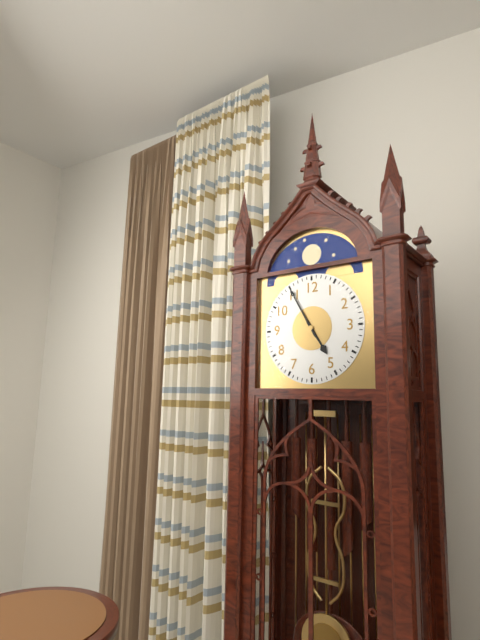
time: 4:55
